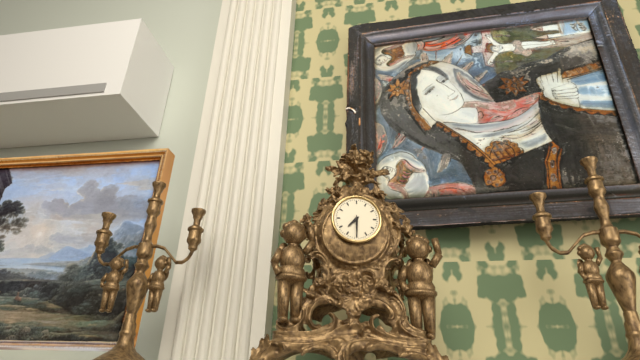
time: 7:30
